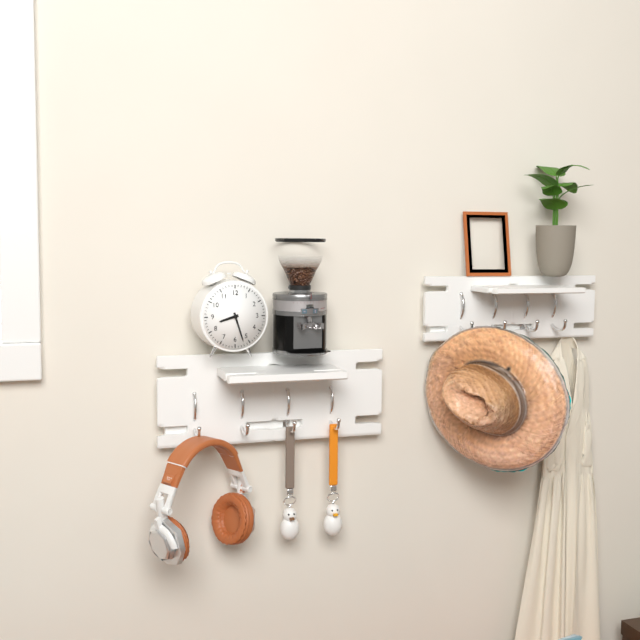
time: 8:27
